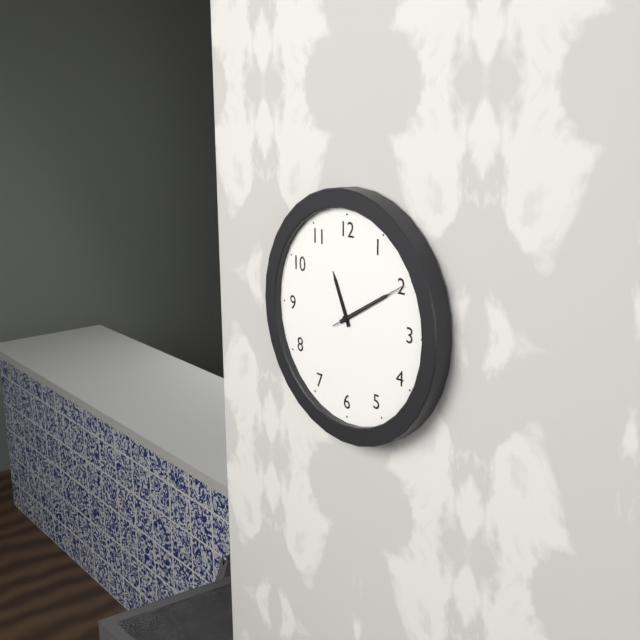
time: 11:10:10
